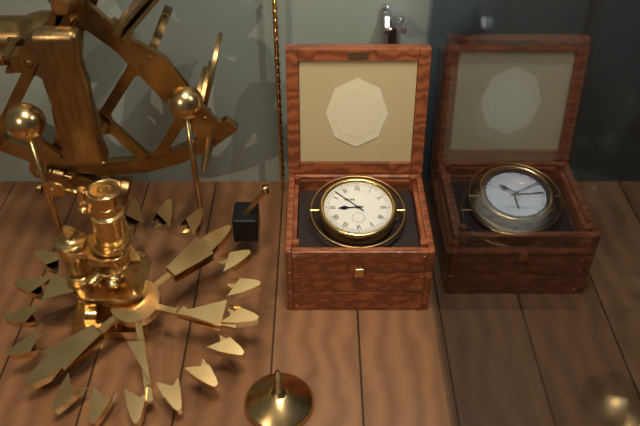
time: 8:52
